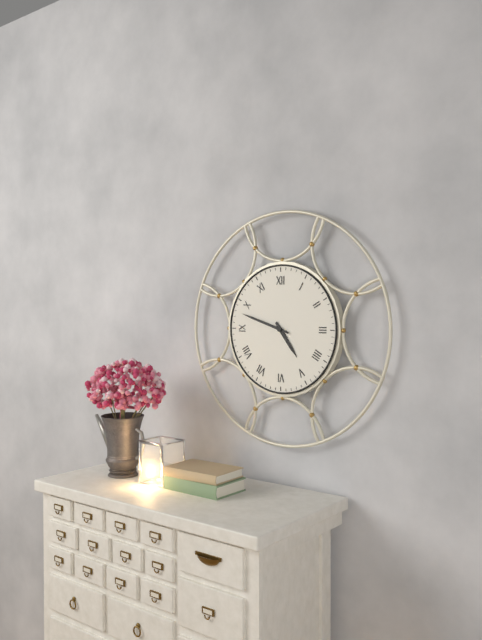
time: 4:48
